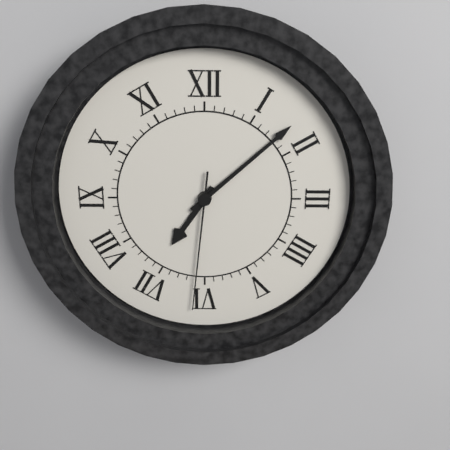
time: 7:08:31
